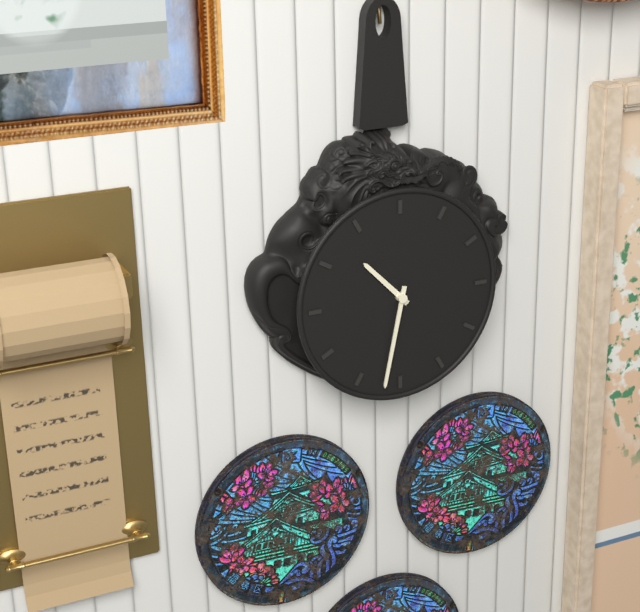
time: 10:32
